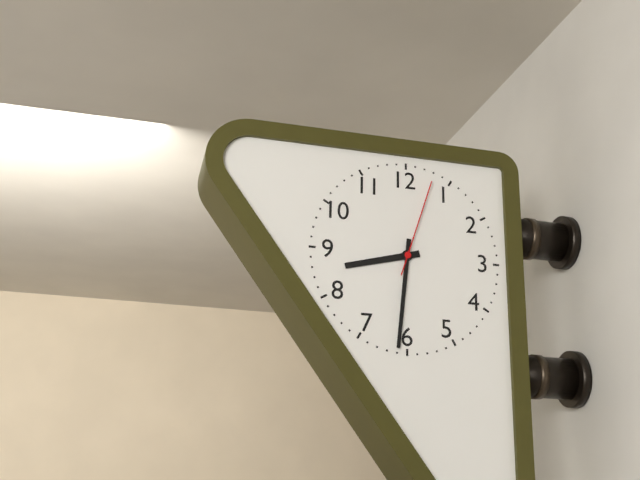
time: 8:31:03
